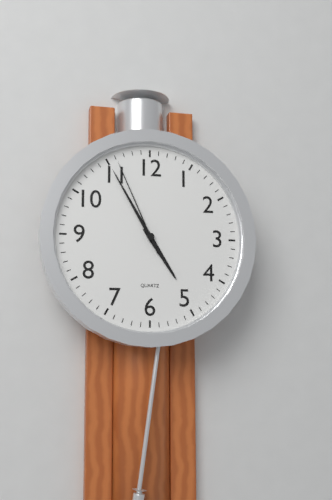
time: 4:55:56
